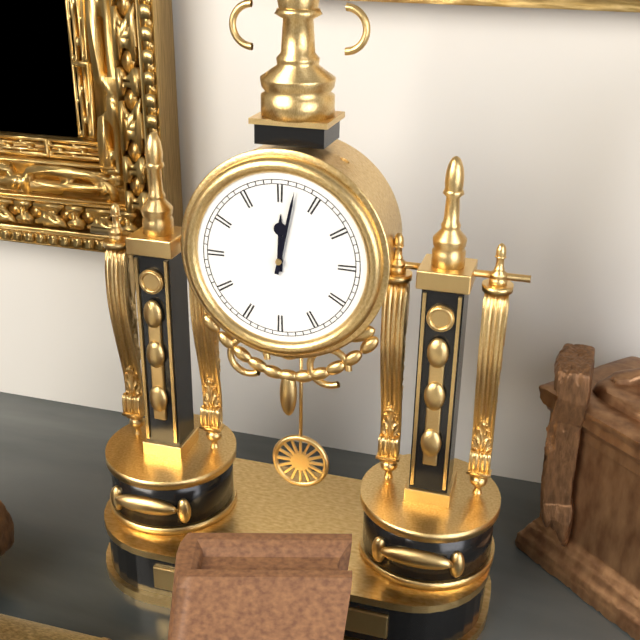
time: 12:02
